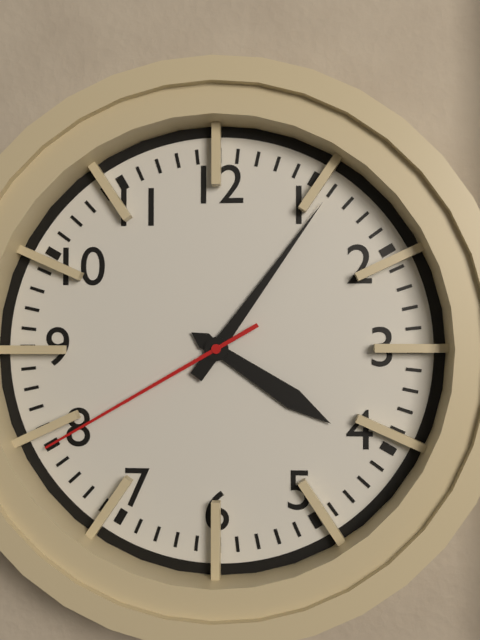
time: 4:06:40
